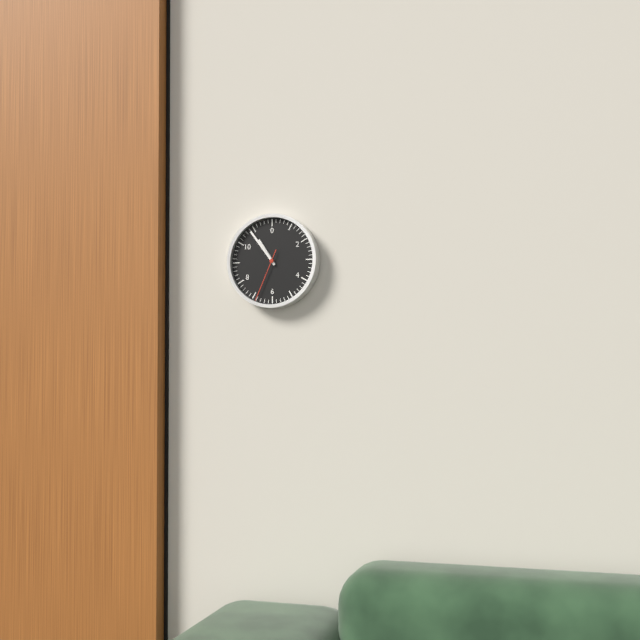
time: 10:54:34
